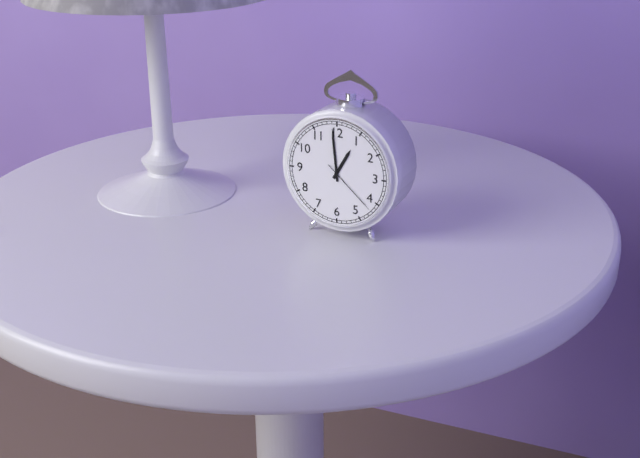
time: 12:59:22
